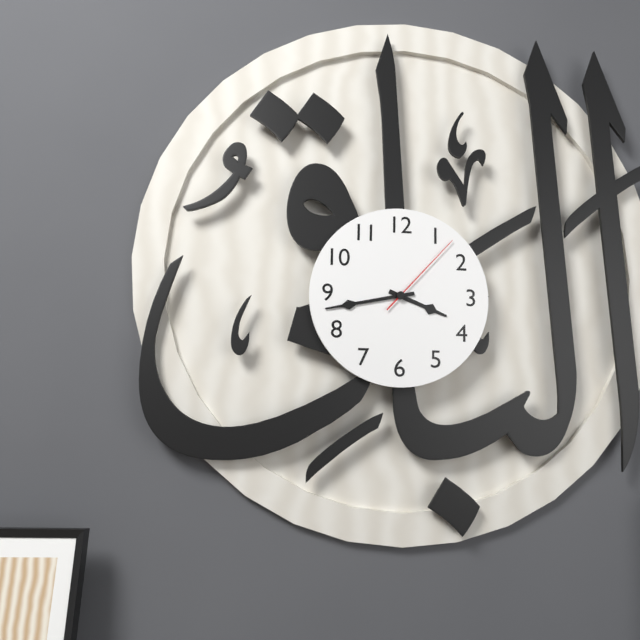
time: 3:43:07
